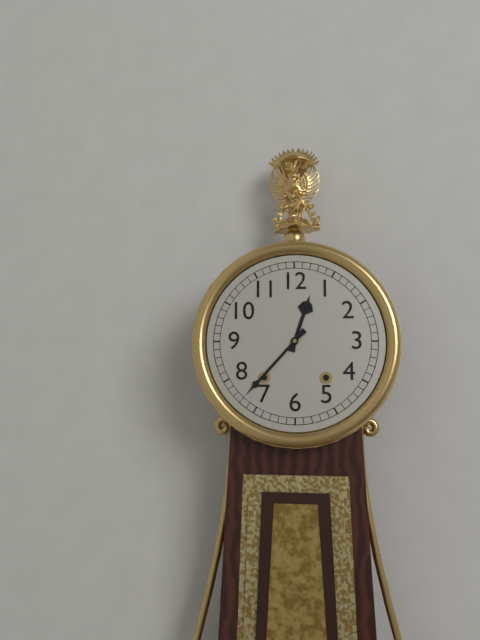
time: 12:37
